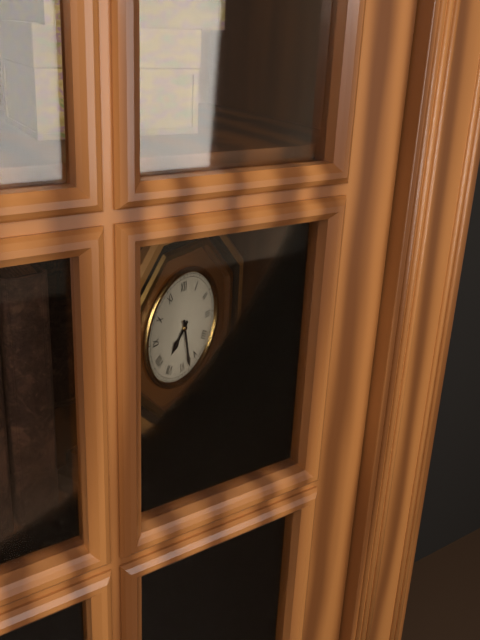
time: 7:28
